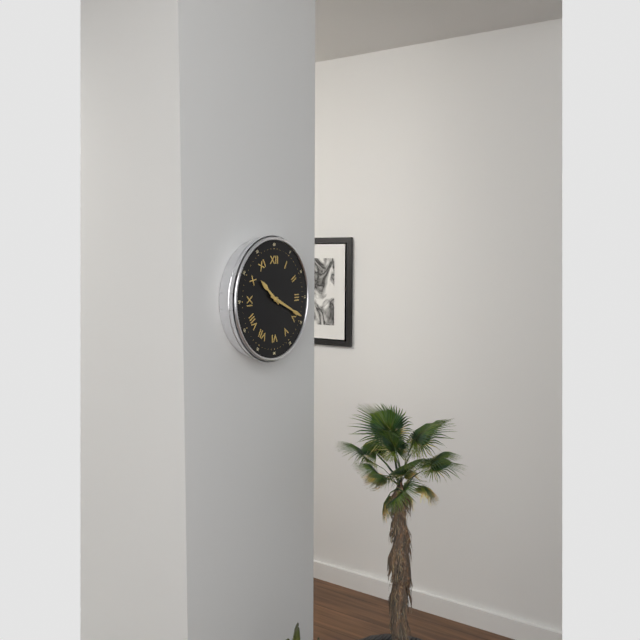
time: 10:19
